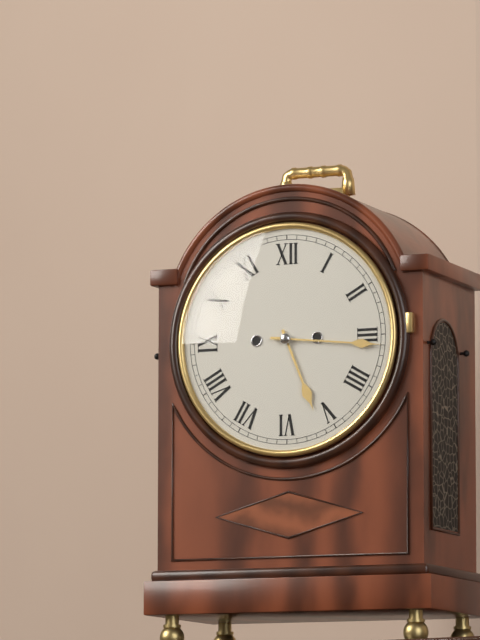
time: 5:16
